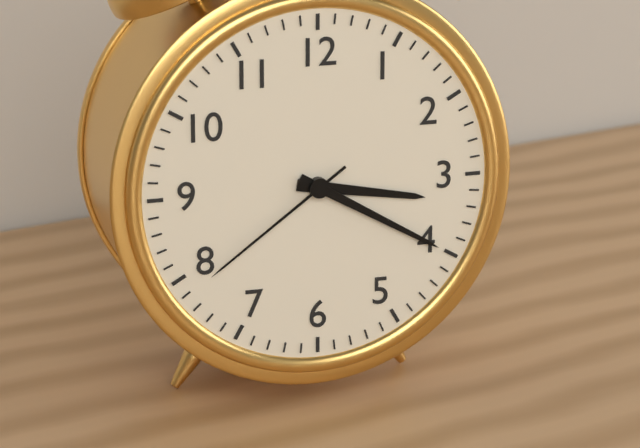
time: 3:20:39
